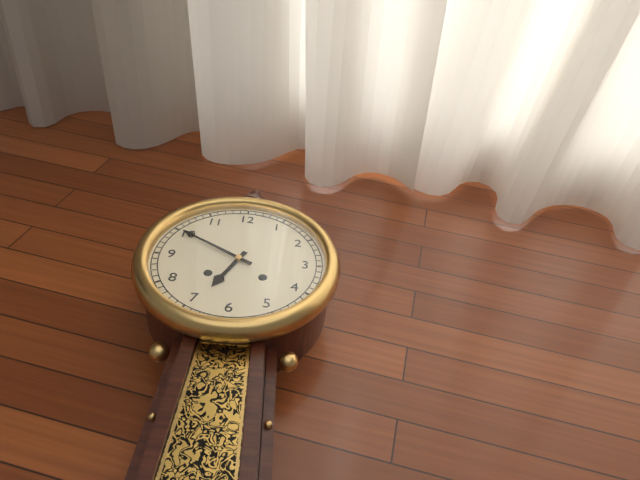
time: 6:50
